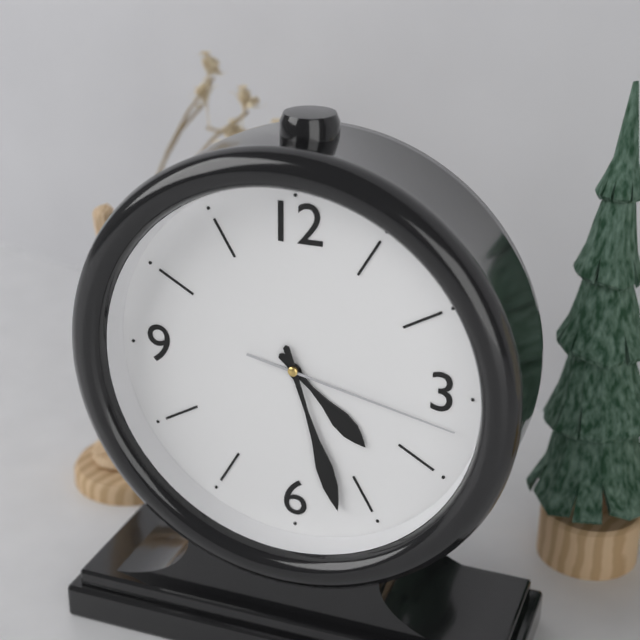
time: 4:27:17
